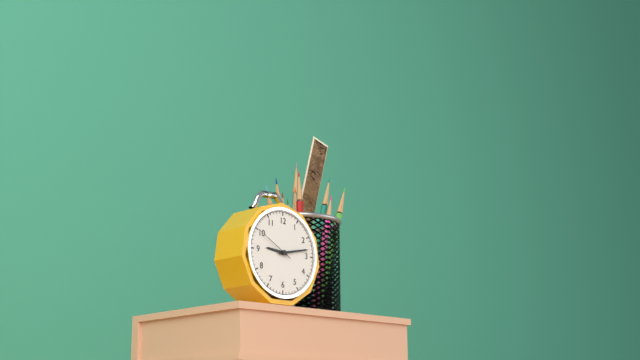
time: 9:13
